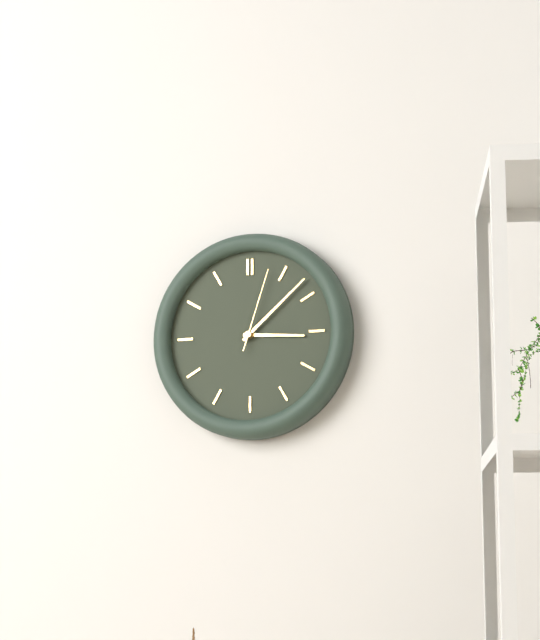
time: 3:08:03
